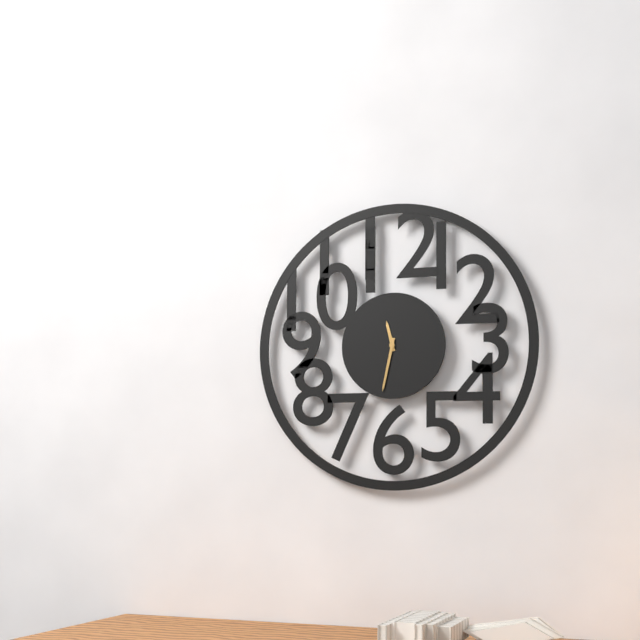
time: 11:32
